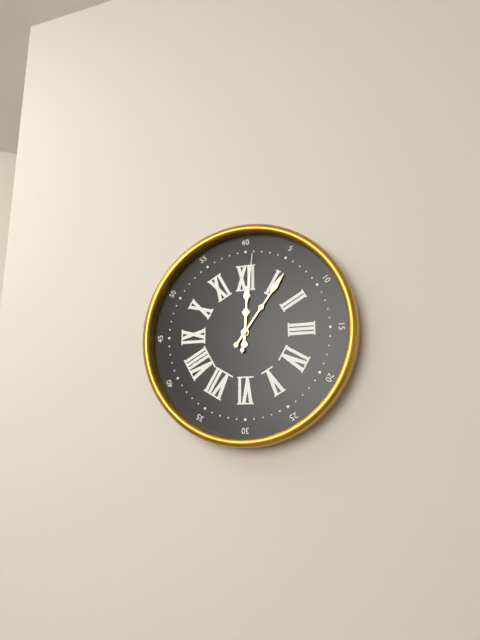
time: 12:06:01
